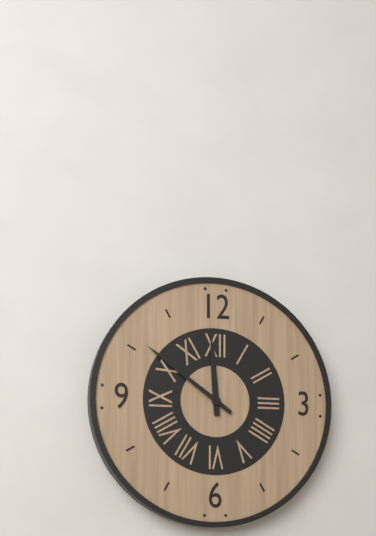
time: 11:51
